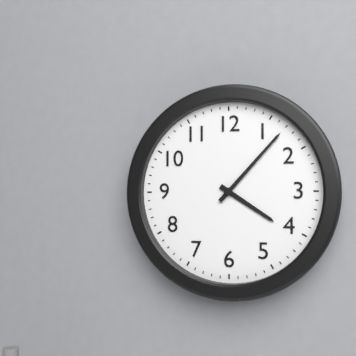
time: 4:07
